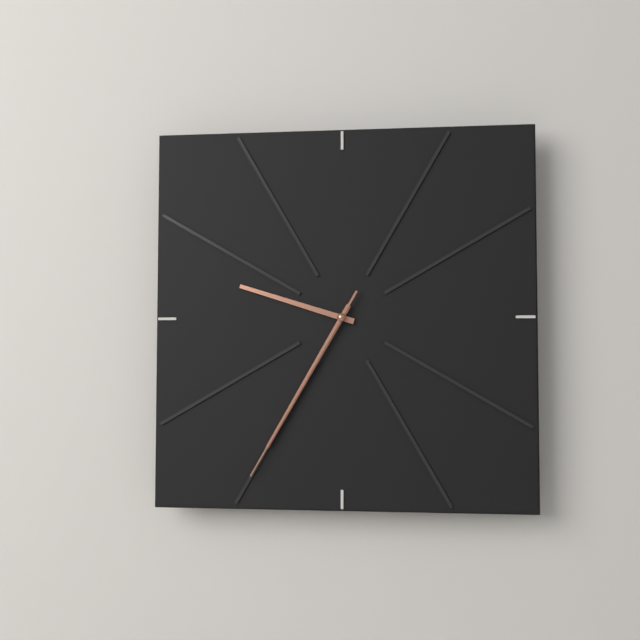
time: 9:35:35
